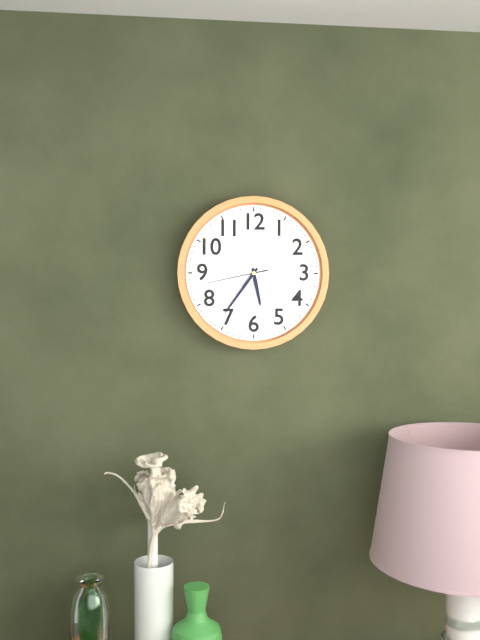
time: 5:36:43
